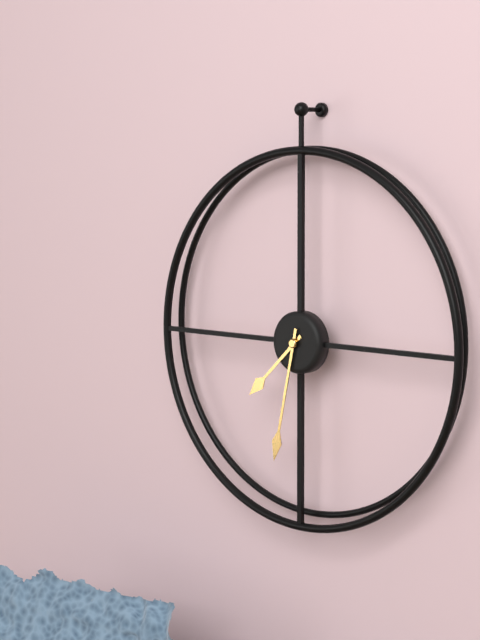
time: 7:32
